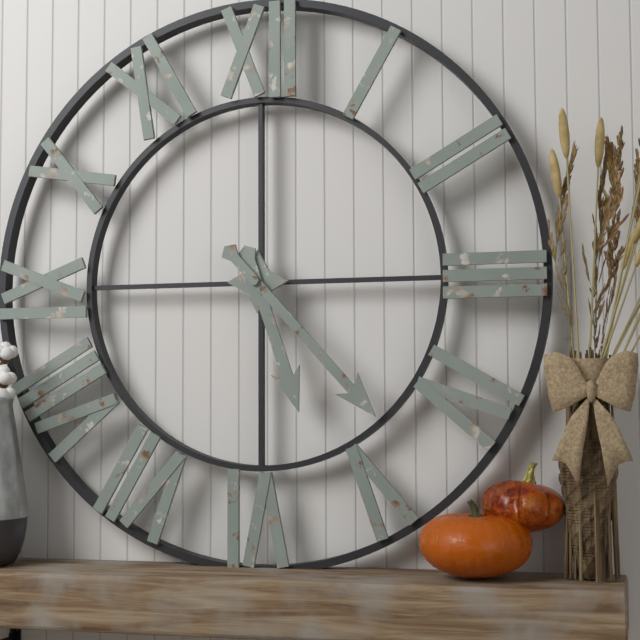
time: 5:23
